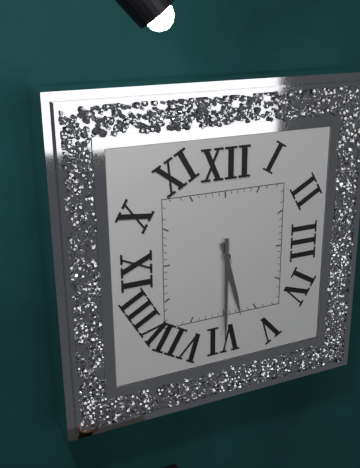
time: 5:30
